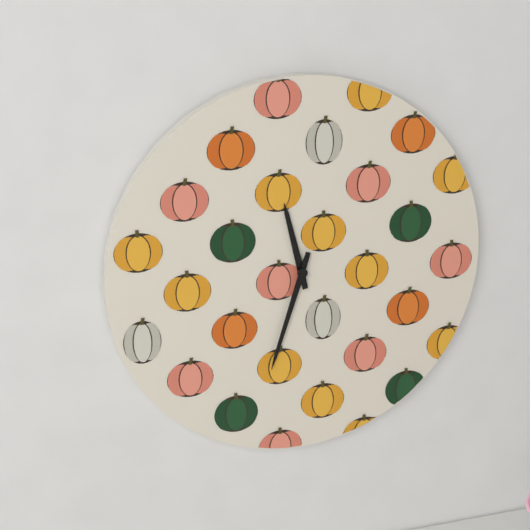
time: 11:33
